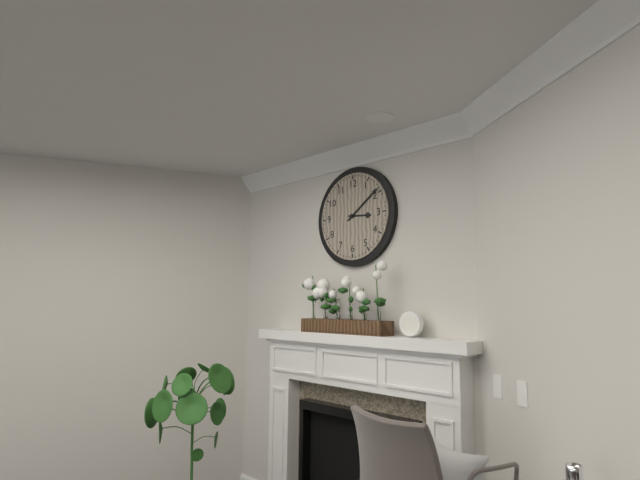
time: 3:09
